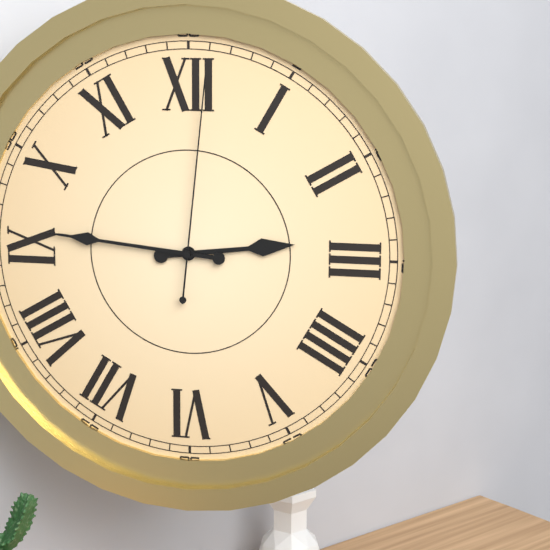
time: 2:46:01
